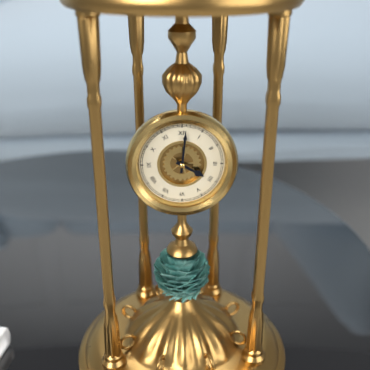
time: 4:01
